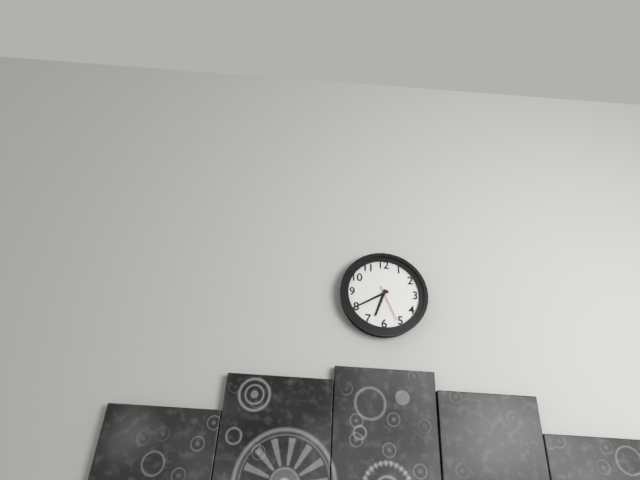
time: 6:40
